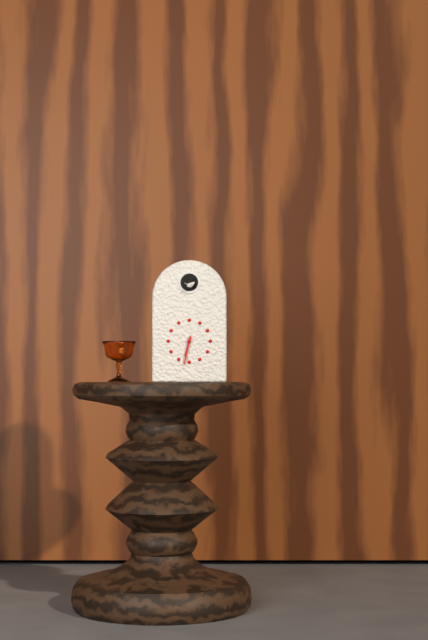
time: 6:32
